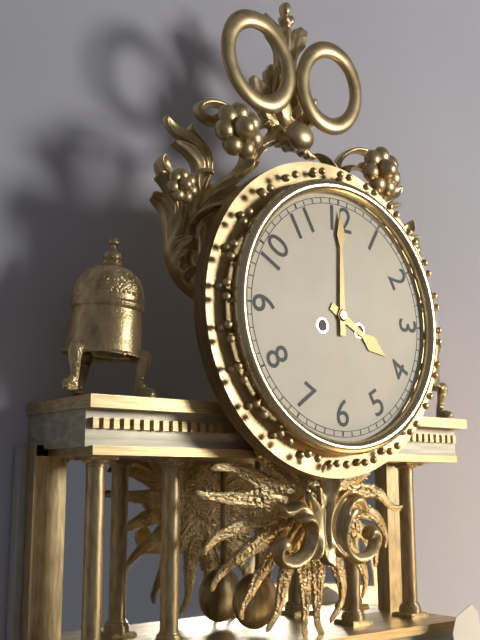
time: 4:00
